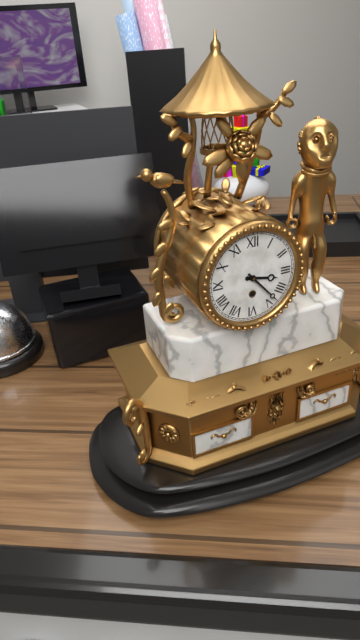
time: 3:23
